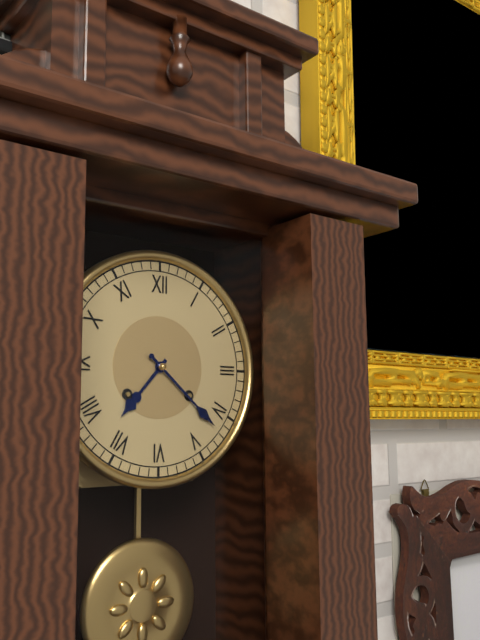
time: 7:22
